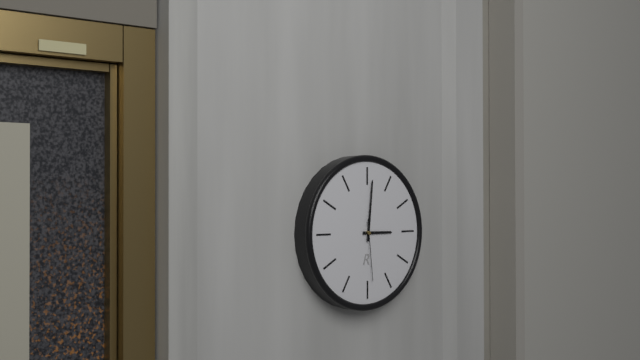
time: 3:01:29
